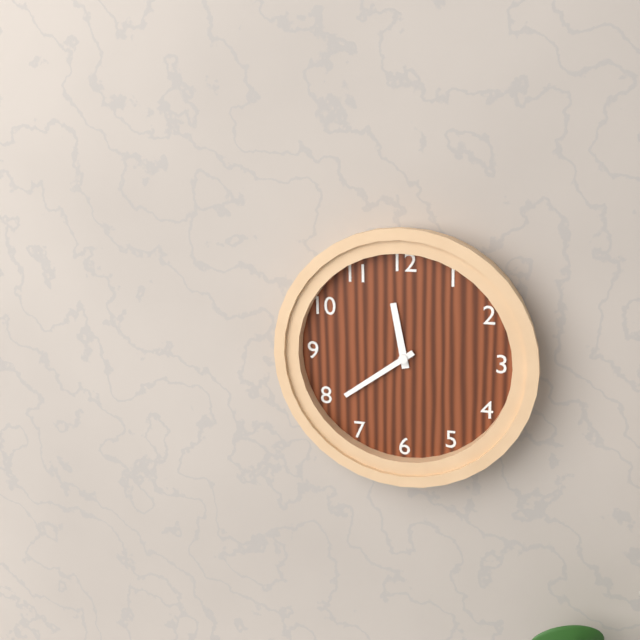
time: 11:39
